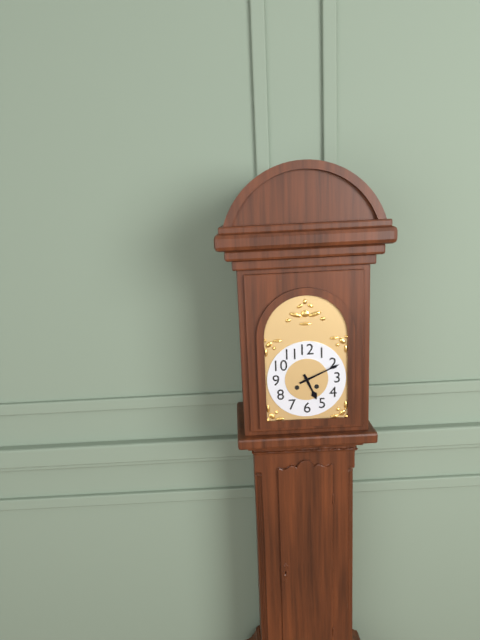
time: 5:11
